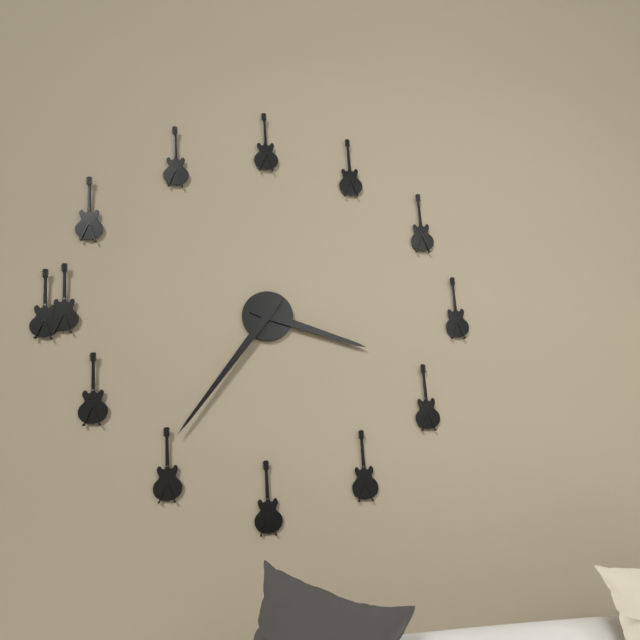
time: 3:36
